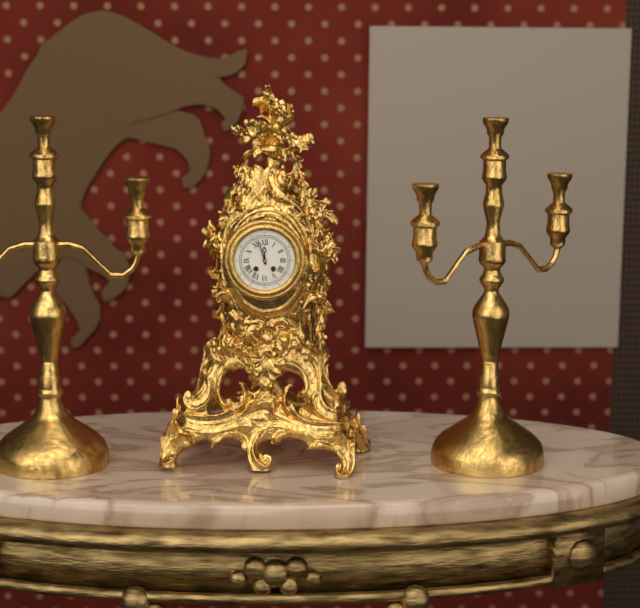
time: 11:57
